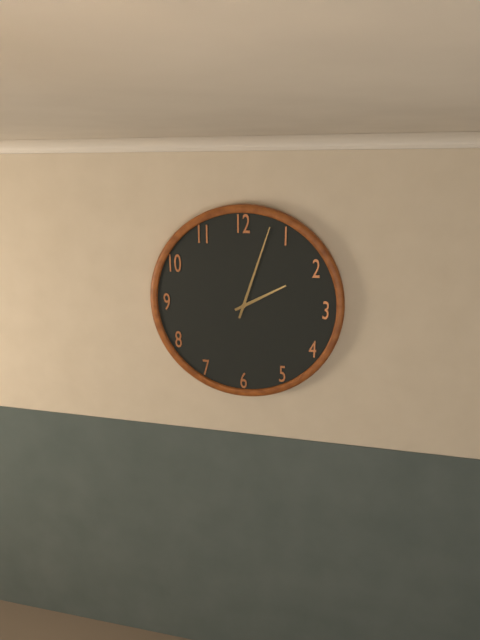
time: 2:03
